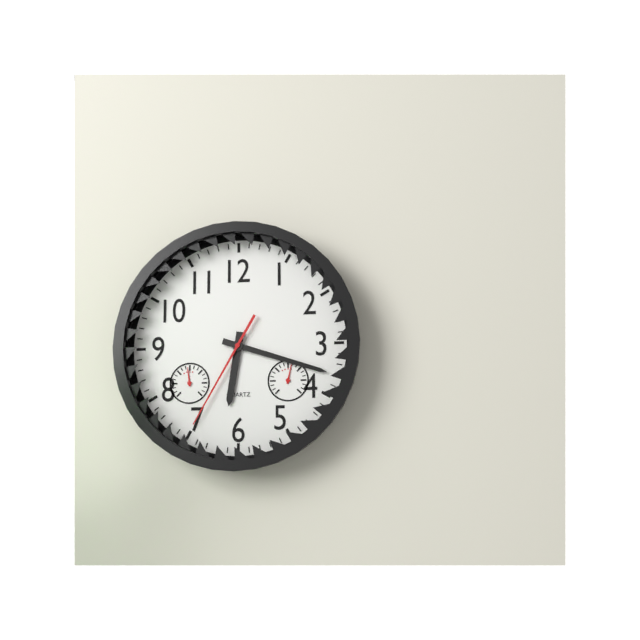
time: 6:18:35
